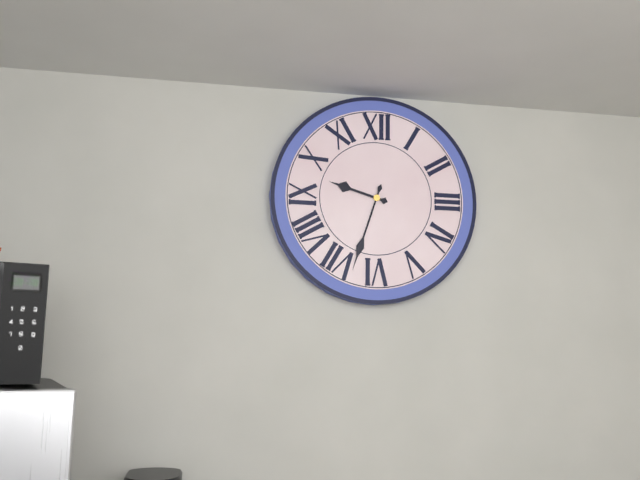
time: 9:33
